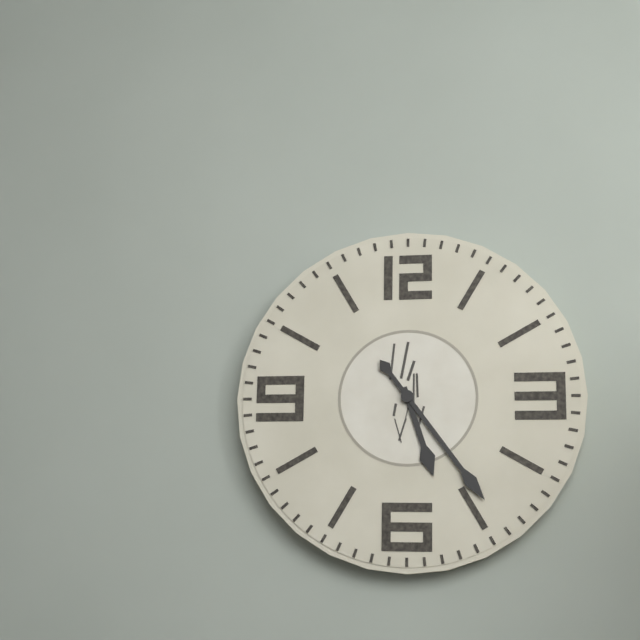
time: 5:24
